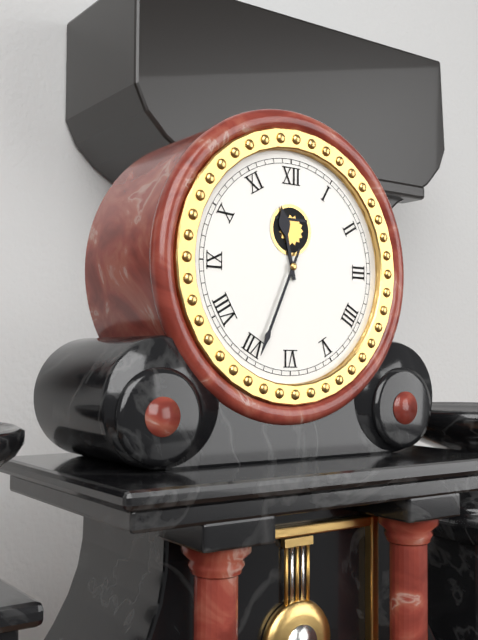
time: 11:34
